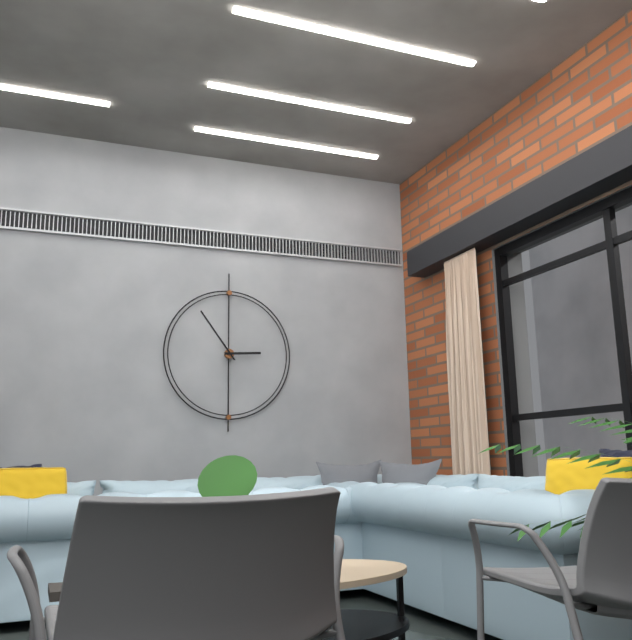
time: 2:54
